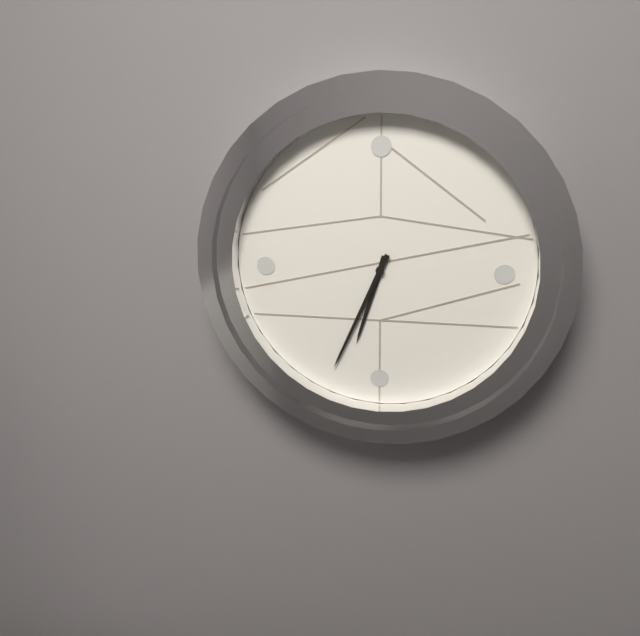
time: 6:34
